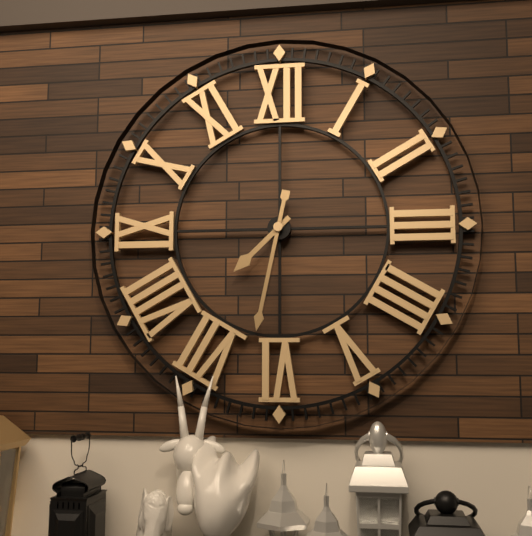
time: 7:32
